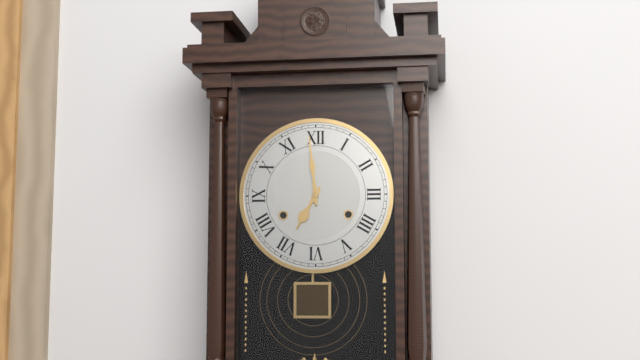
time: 6:59
